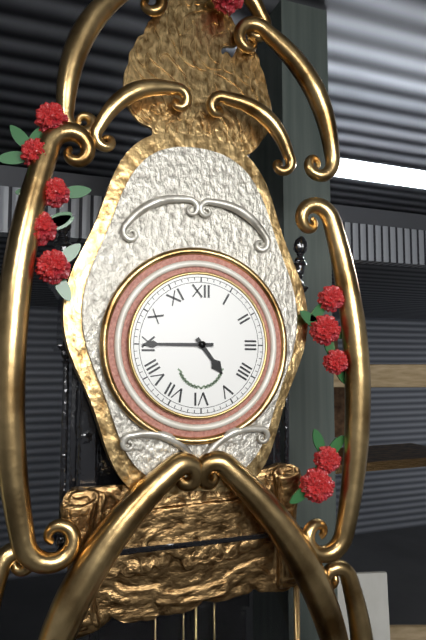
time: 4:45
